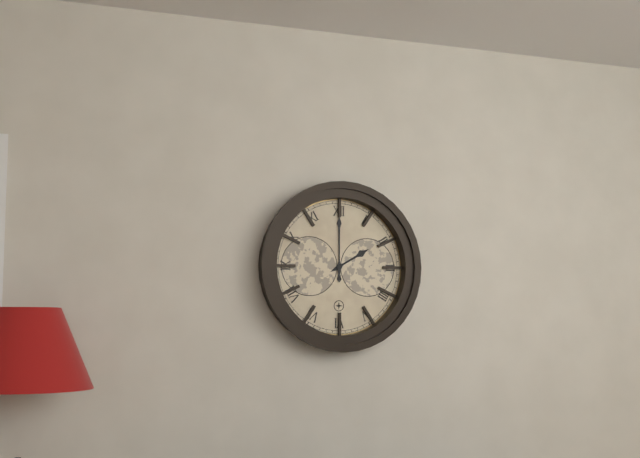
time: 2:00
